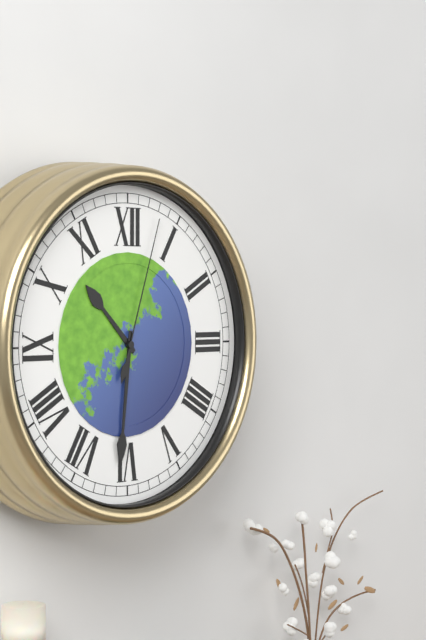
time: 10:31:03
